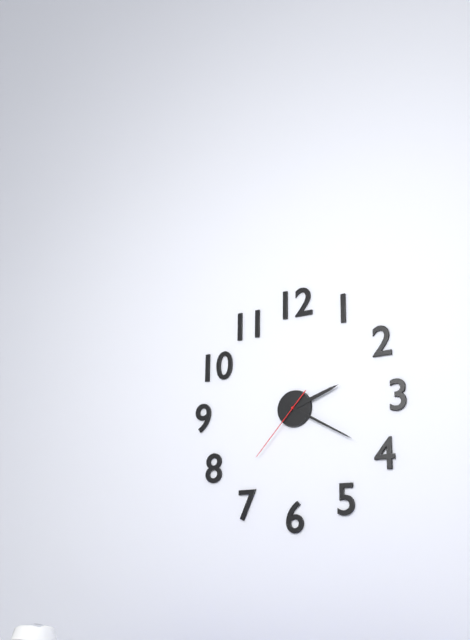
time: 2:20:37
